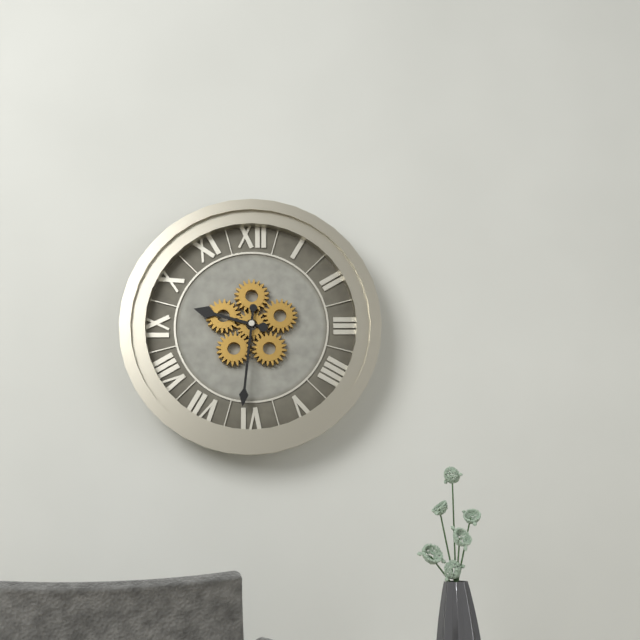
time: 9:31
